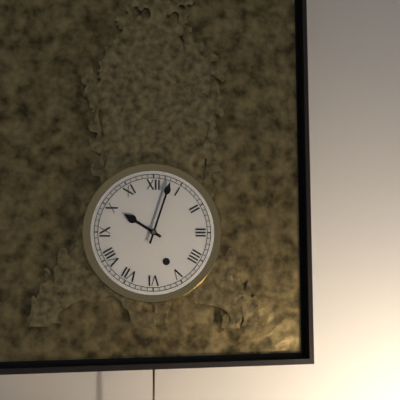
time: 10:03
